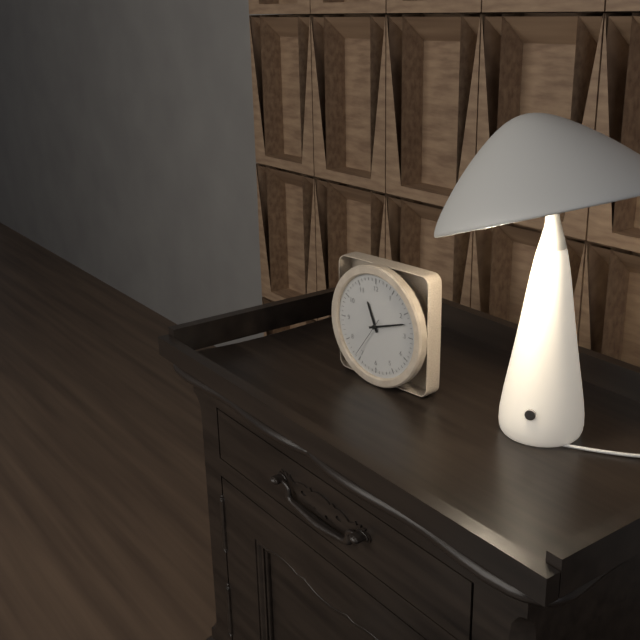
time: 11:12
